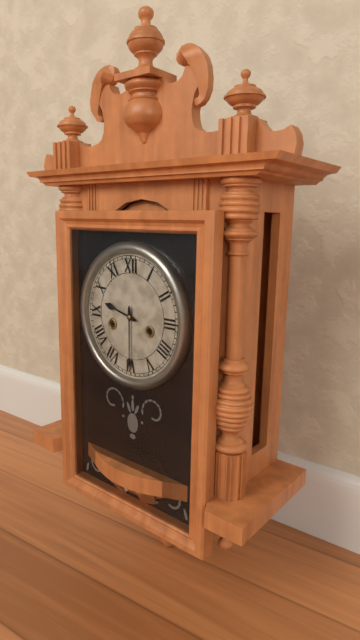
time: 9:30
